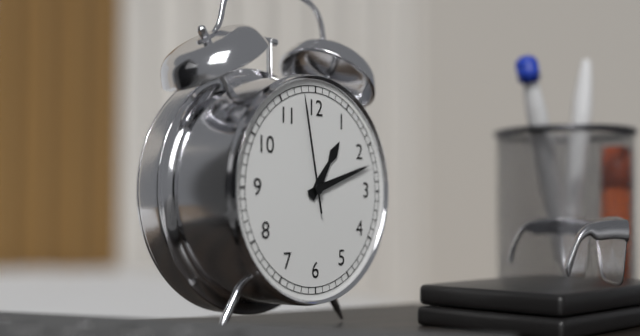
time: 1:12:58
